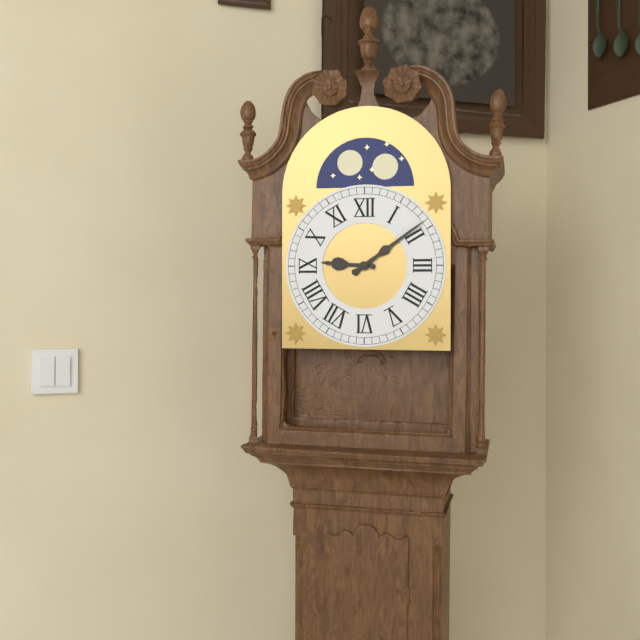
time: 9:09
